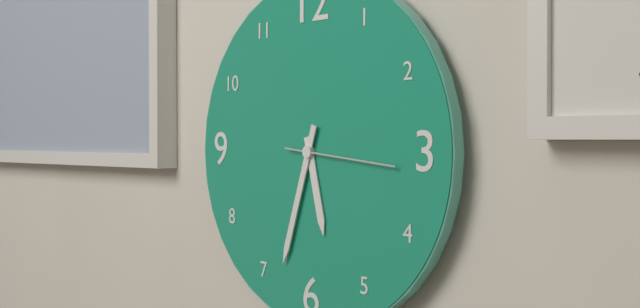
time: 5:33:16
